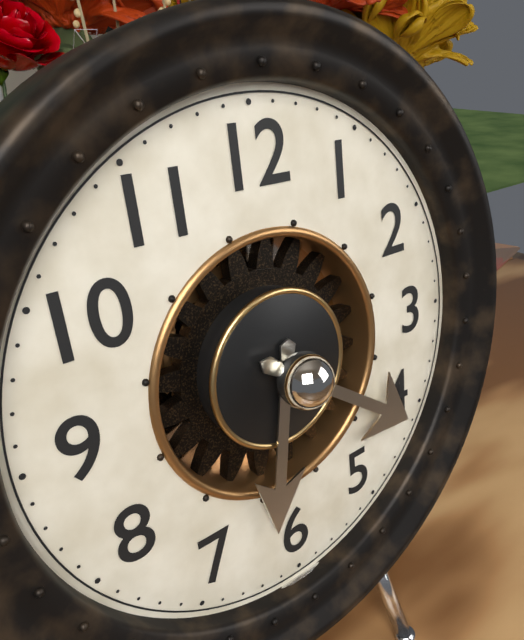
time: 6:21
